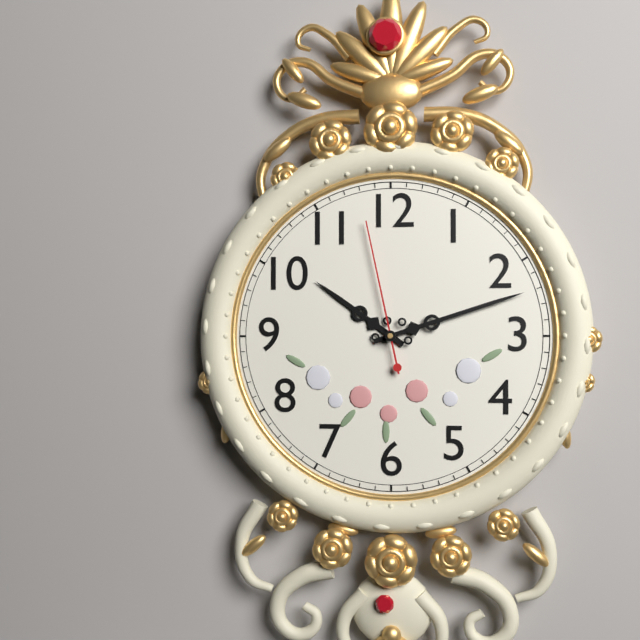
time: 10:12:58
